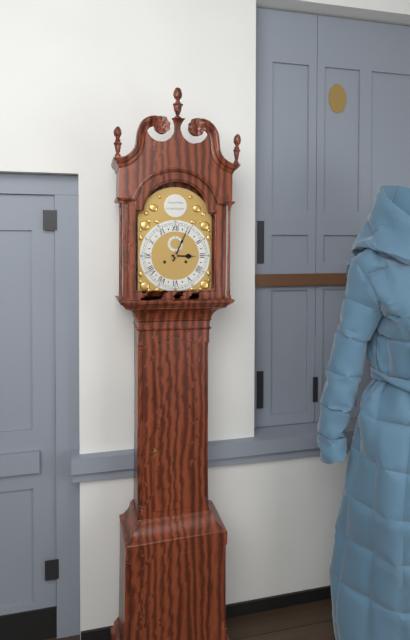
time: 3:04
